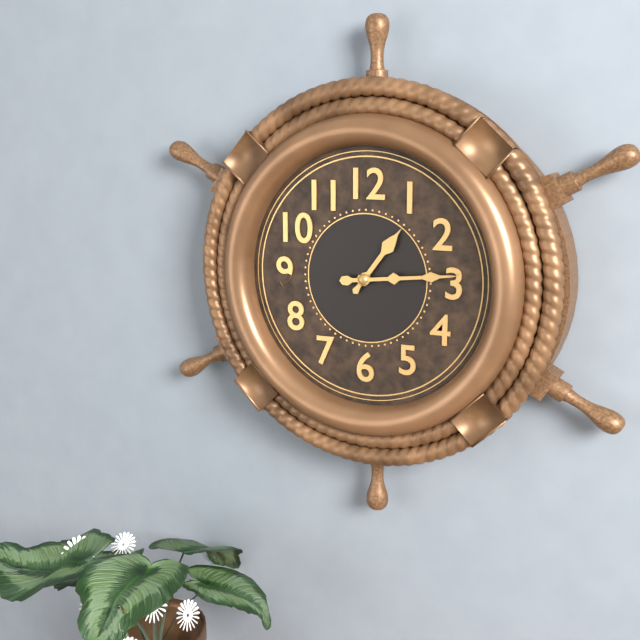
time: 1:14
